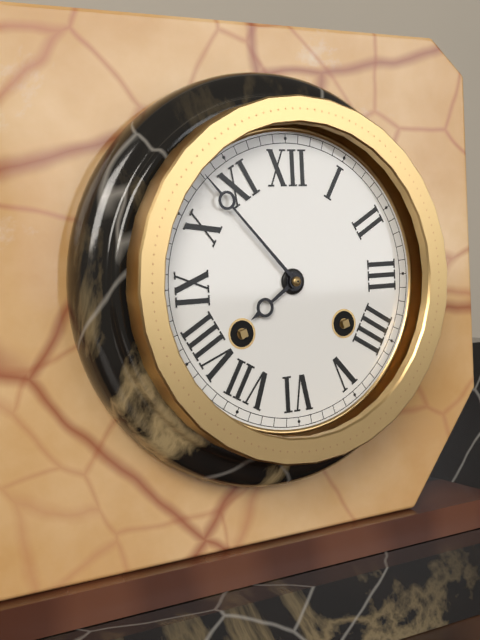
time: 7:53
